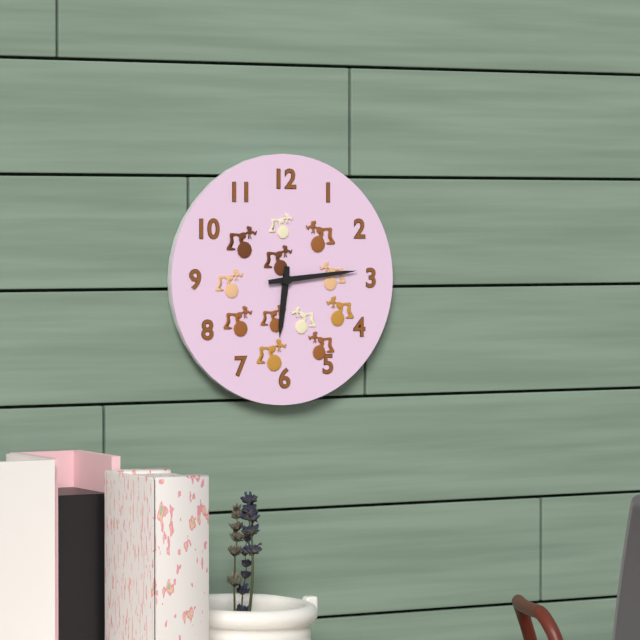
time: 6:14
